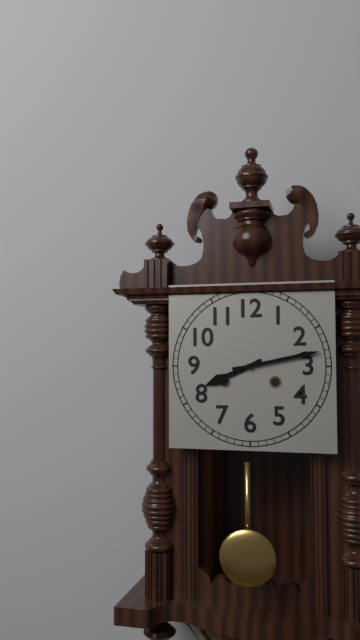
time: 8:13
